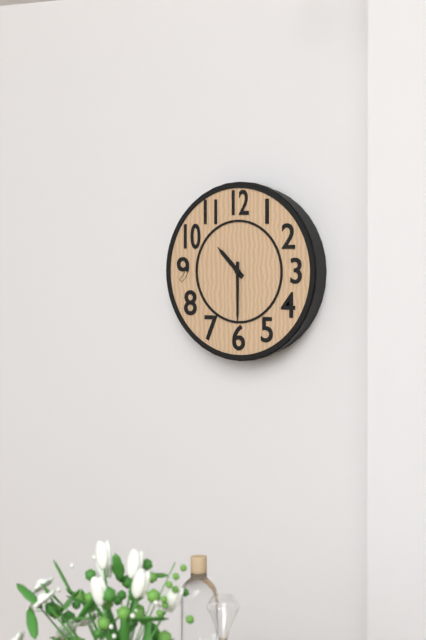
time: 10:30
